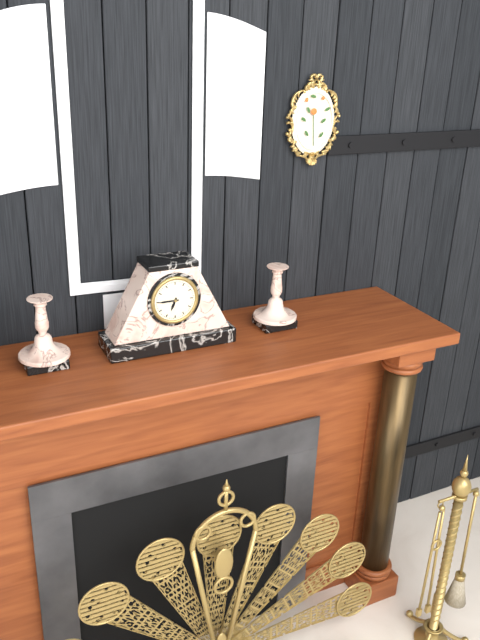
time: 6:45
